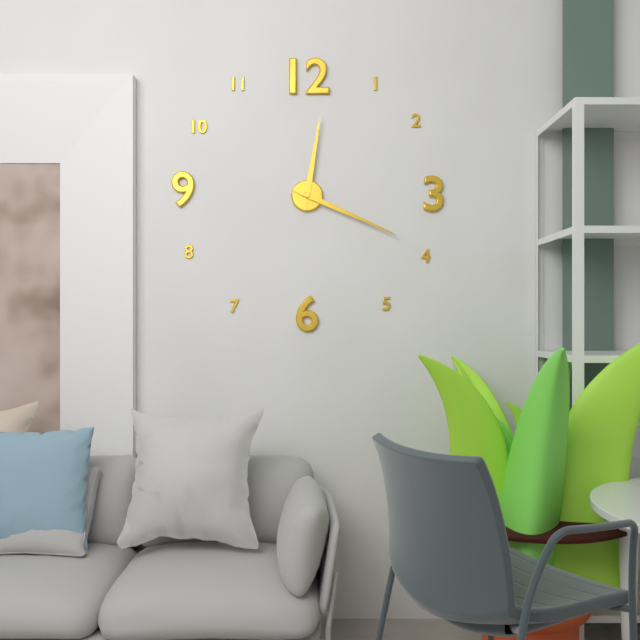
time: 12:19
